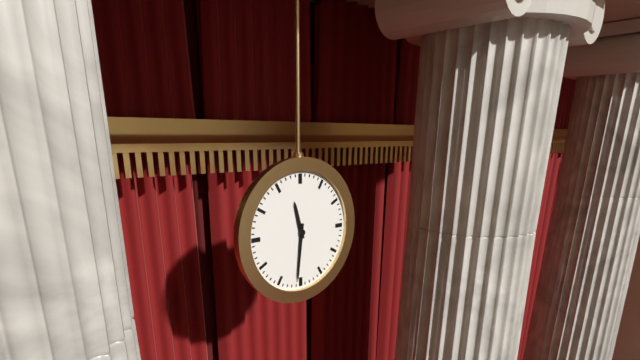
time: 11:31
